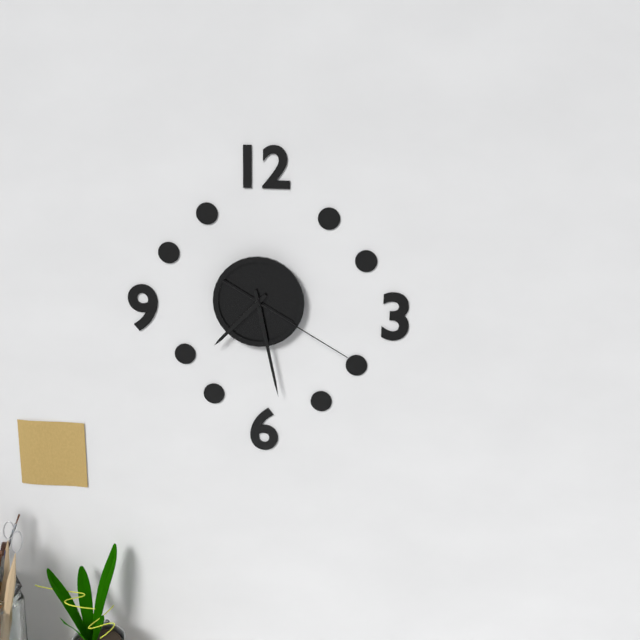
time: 7:28:20
